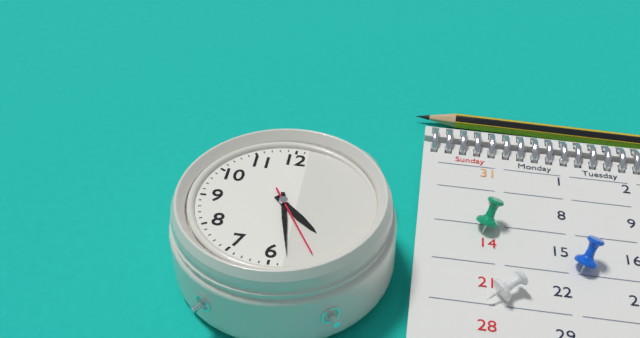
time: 4:28:25
